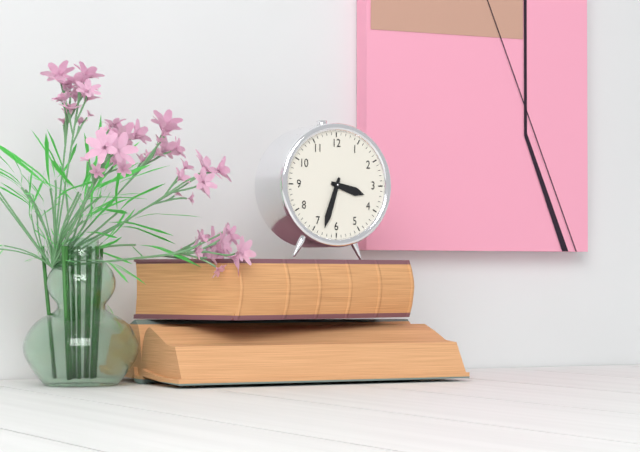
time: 3:33
